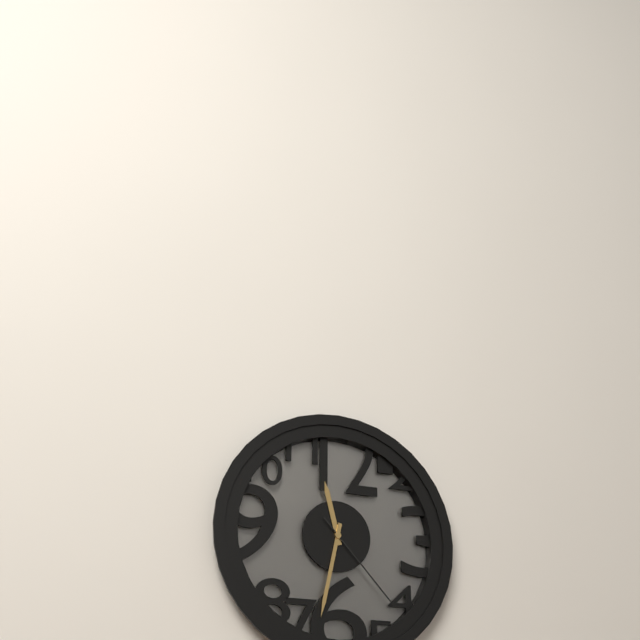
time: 11:32:23
